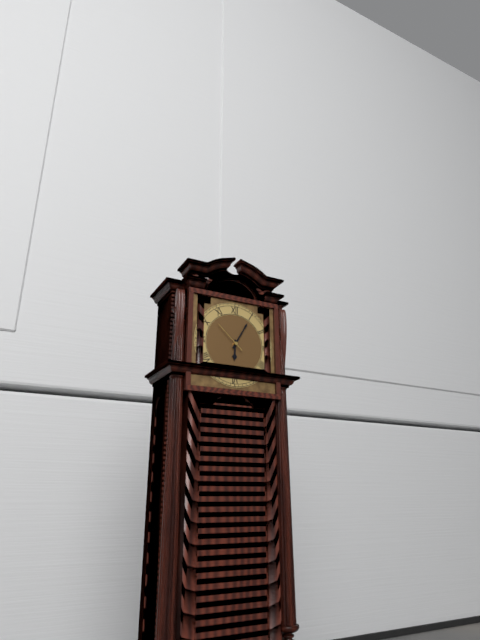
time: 6:05
